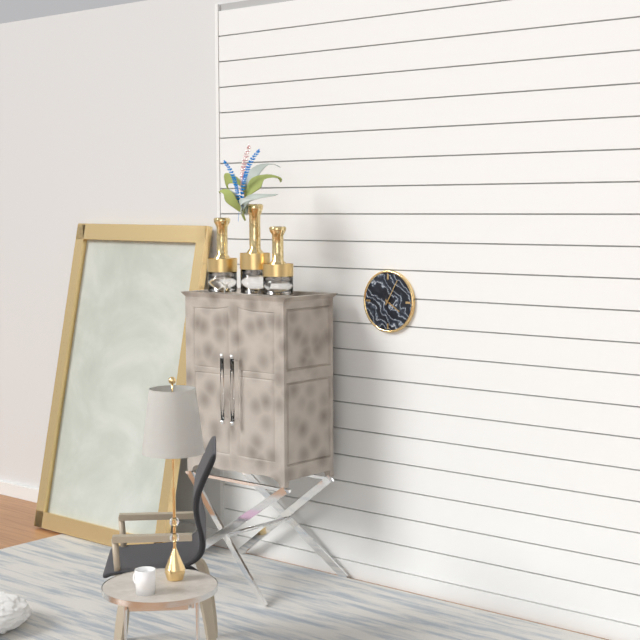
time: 4:05
